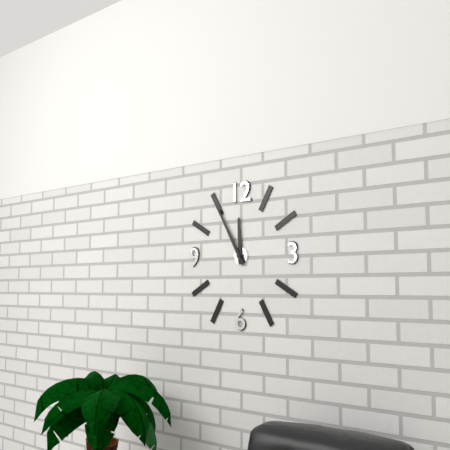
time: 11:55
